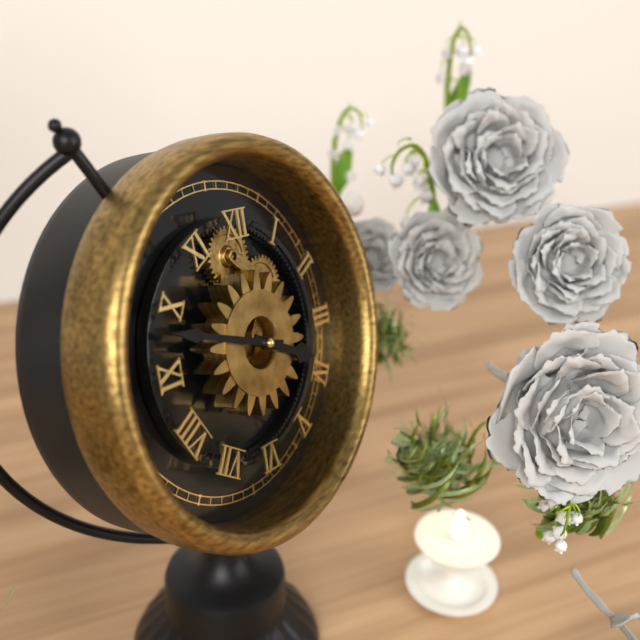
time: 3:48
